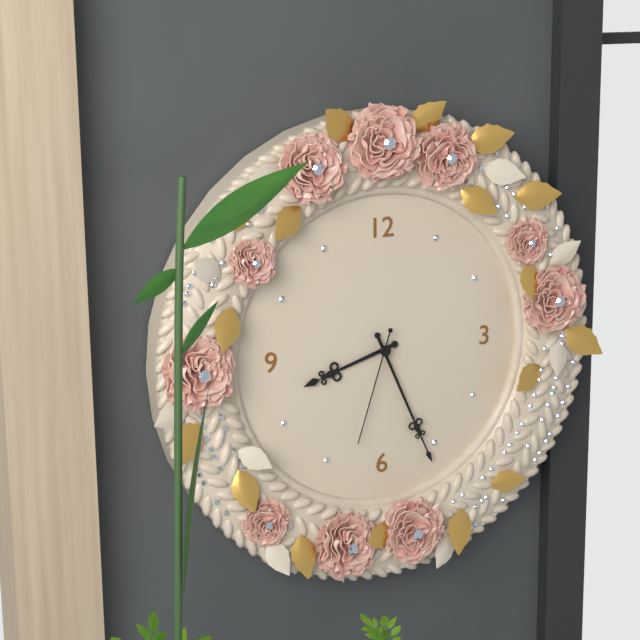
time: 8:26:33
